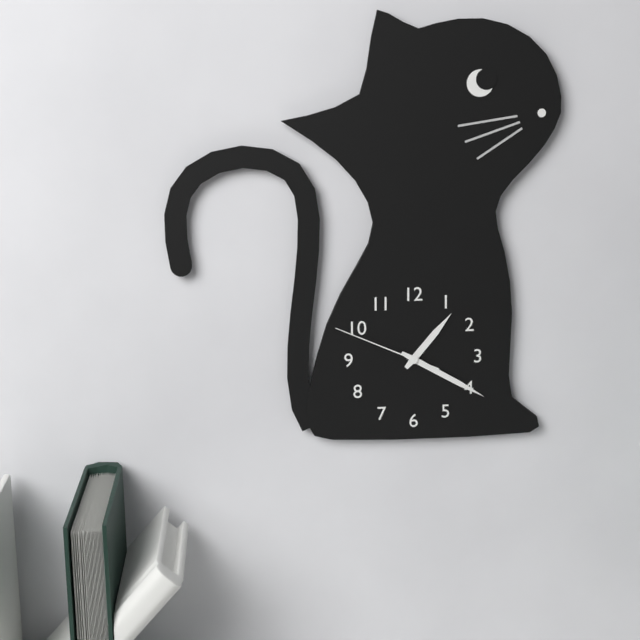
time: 1:20:49
